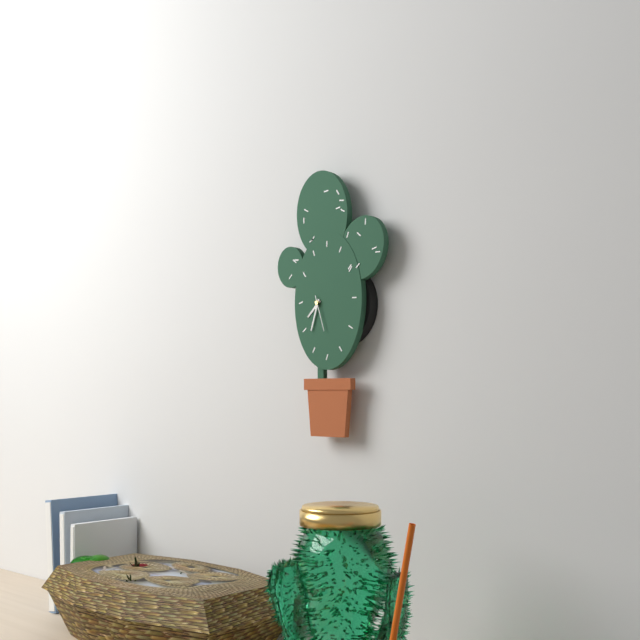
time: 7:33
